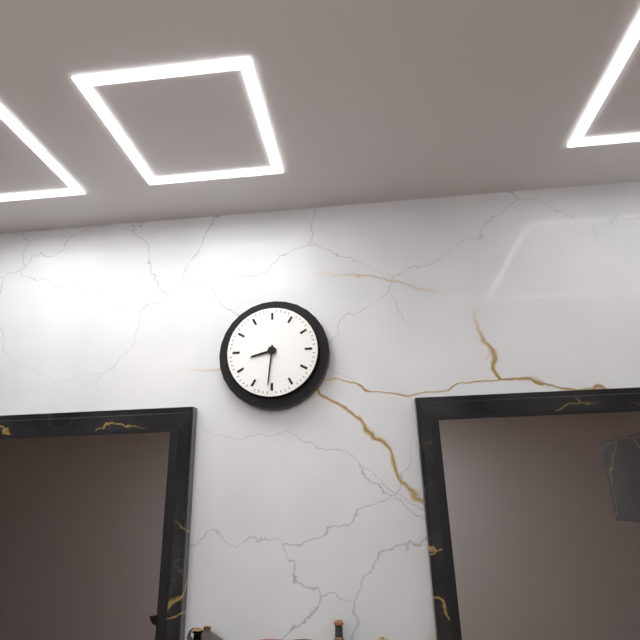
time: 8:31
